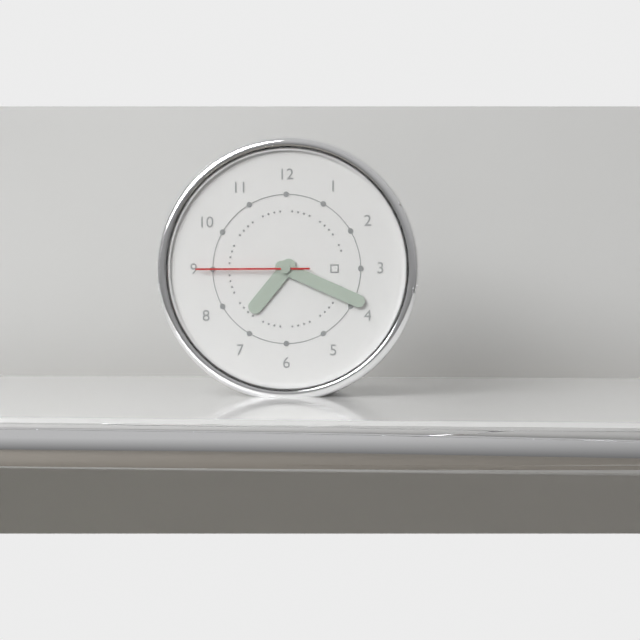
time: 7:19:45
